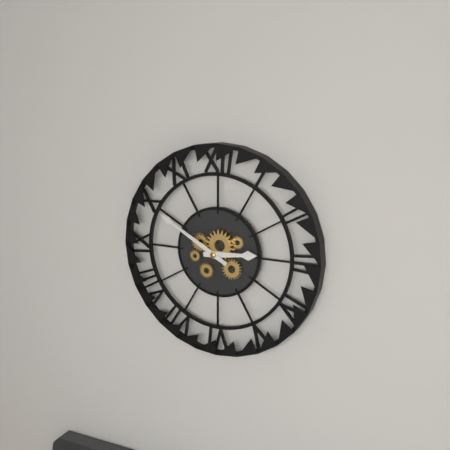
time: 2:50
